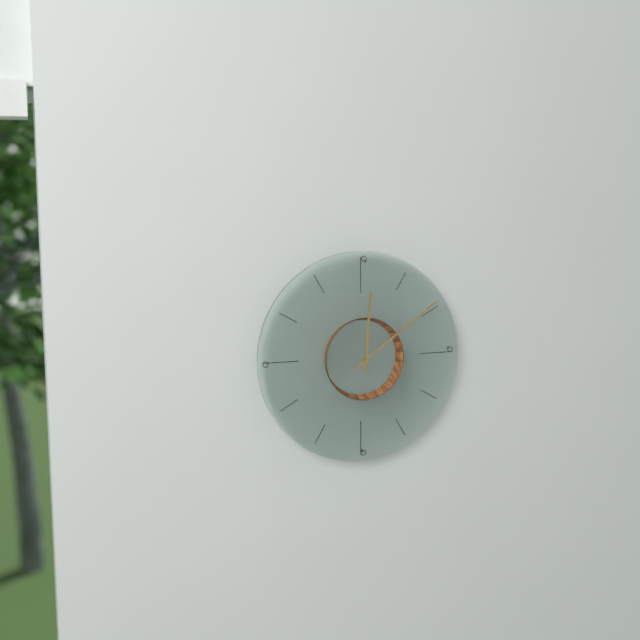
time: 12:09
